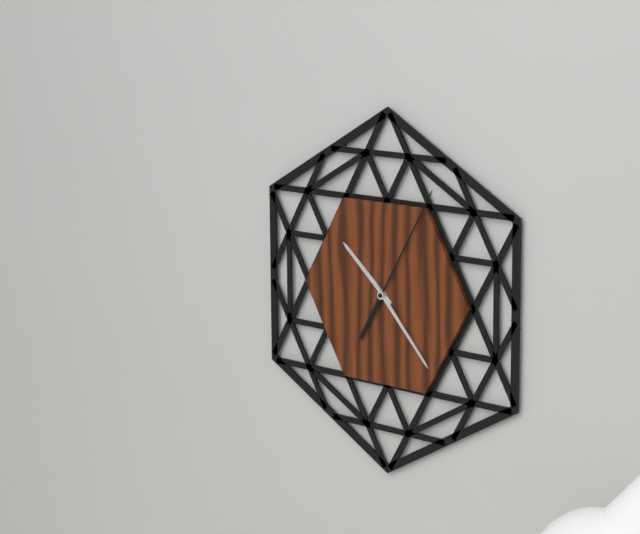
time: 10:23:05
